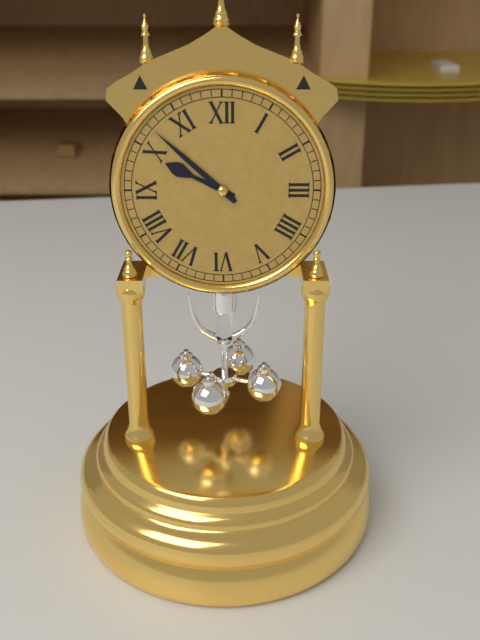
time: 9:52
